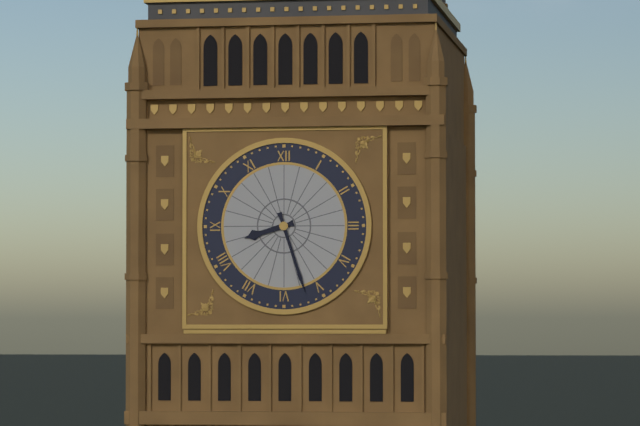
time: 8:27
